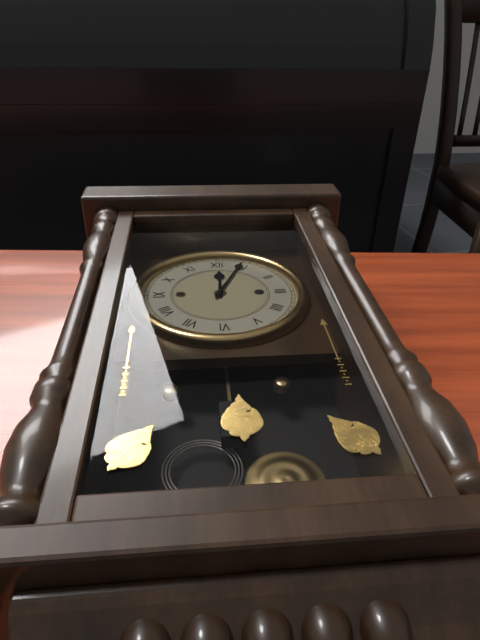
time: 12:04
